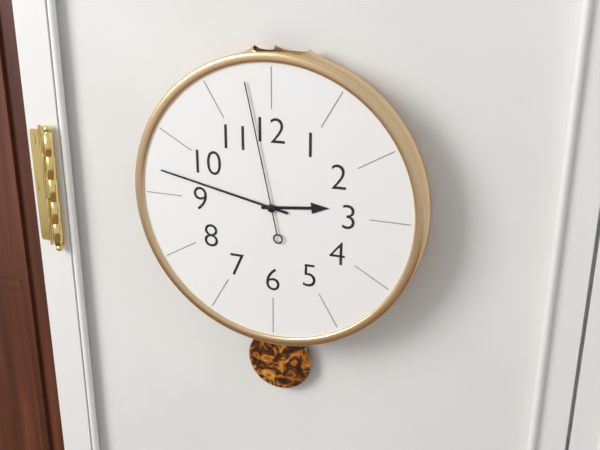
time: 2:47:58
